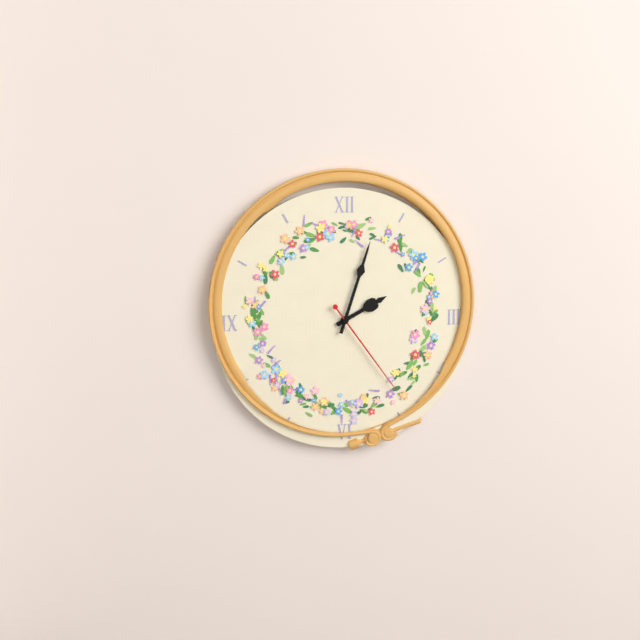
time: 2:03:24
